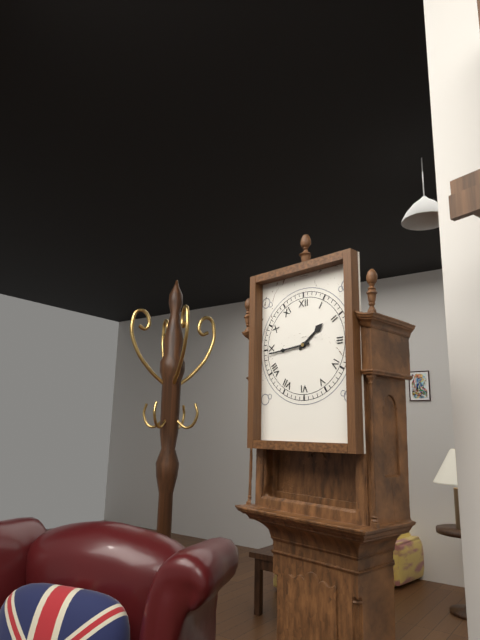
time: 1:44
